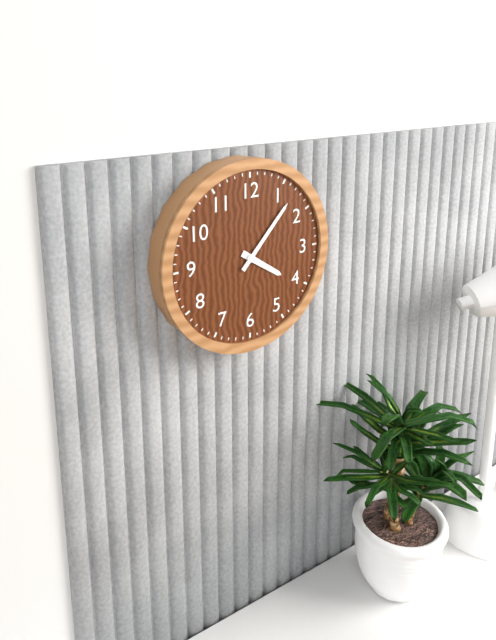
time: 4:07
